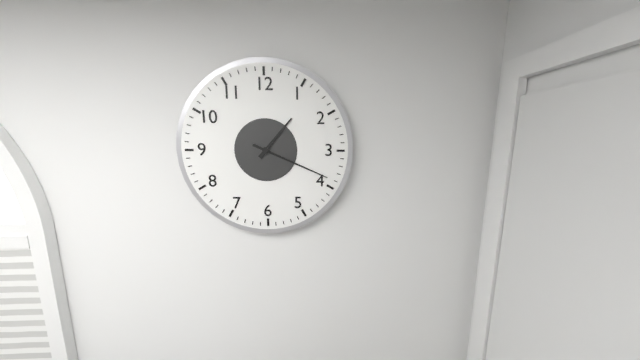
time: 1:19
